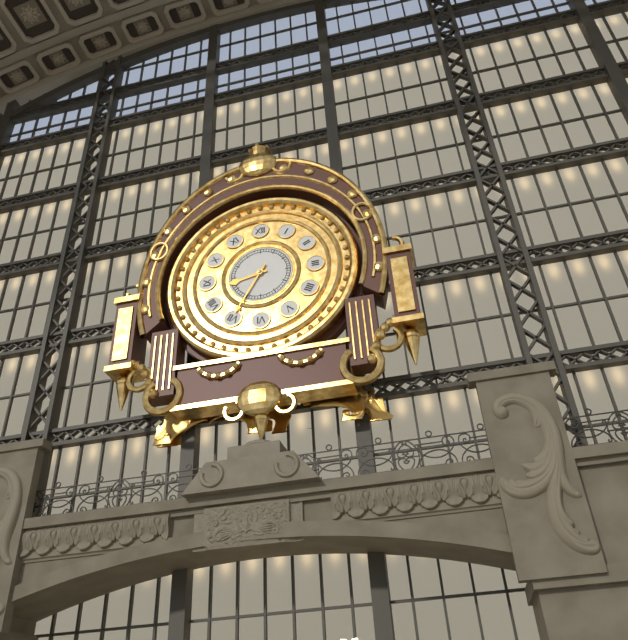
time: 8:35
